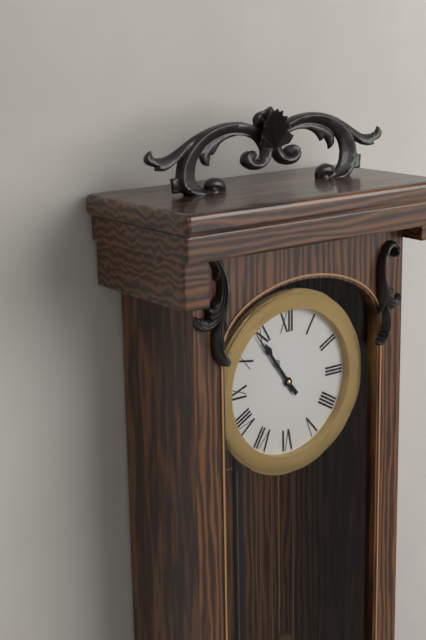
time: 10:54
